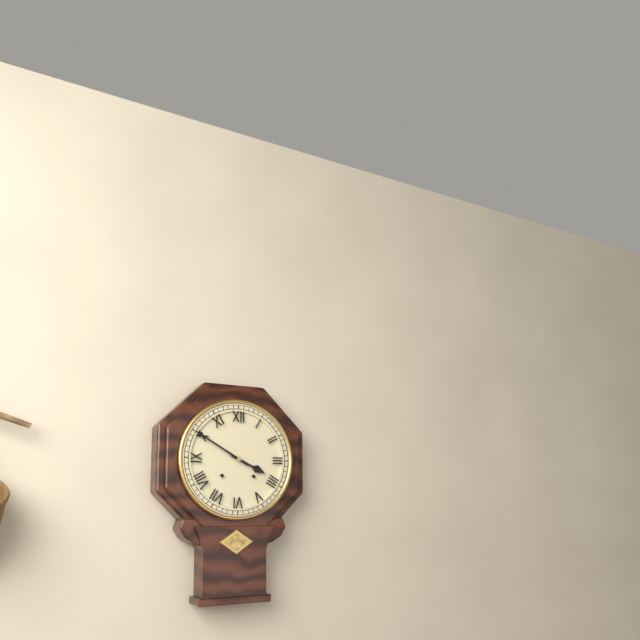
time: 3:50
